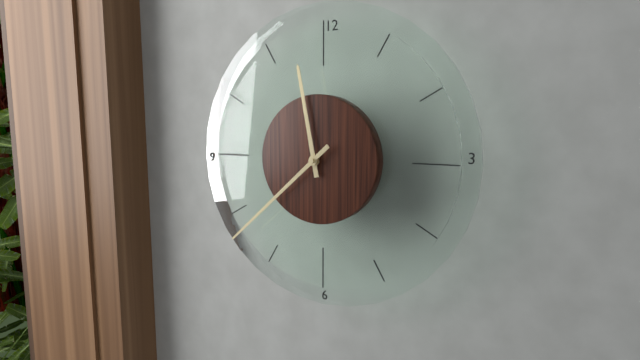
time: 11:38
